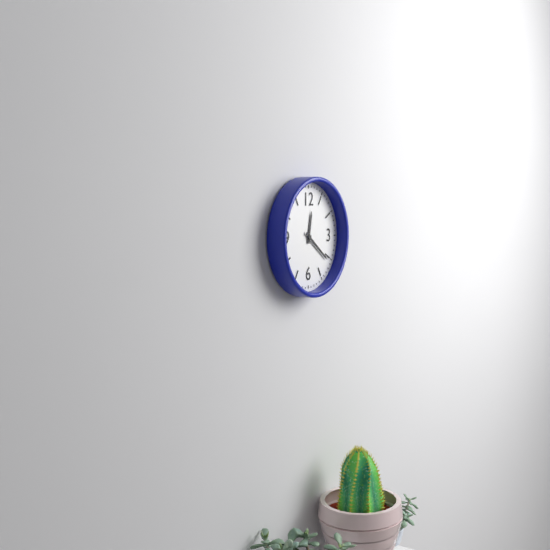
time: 12:21
